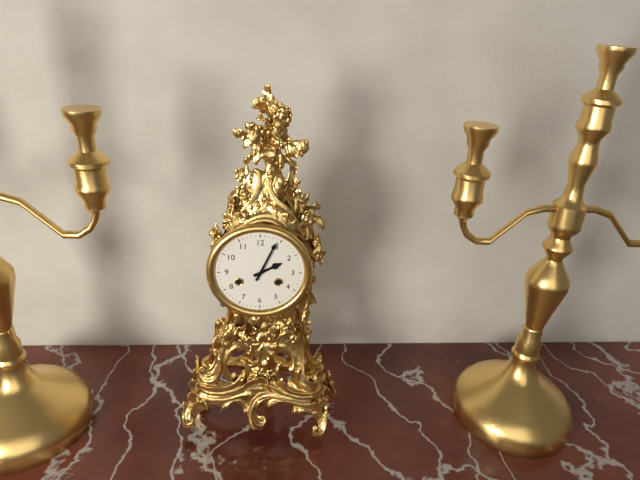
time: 2:04
